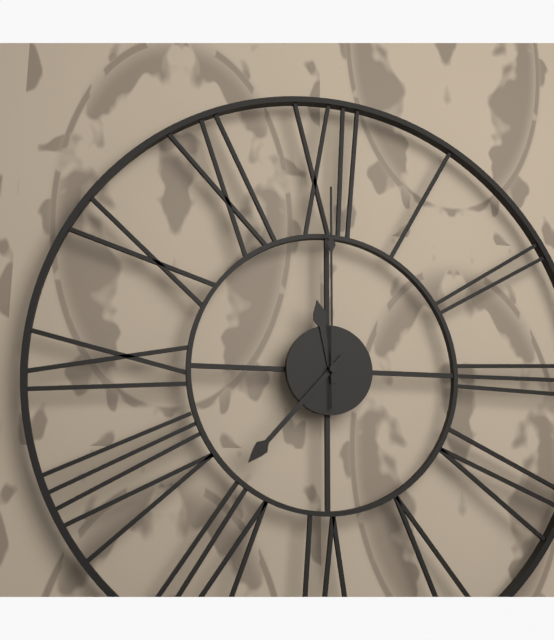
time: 11:37:00
